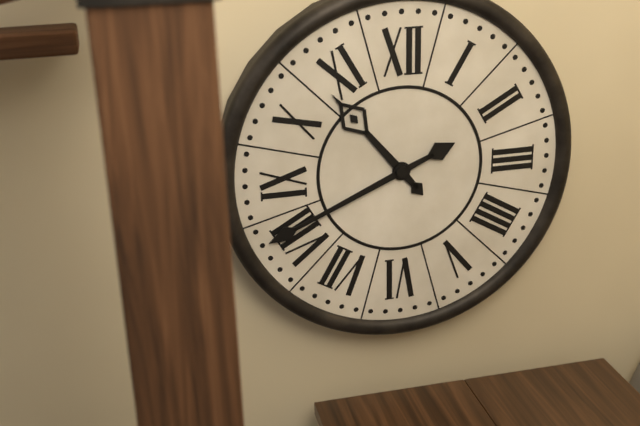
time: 10:41
